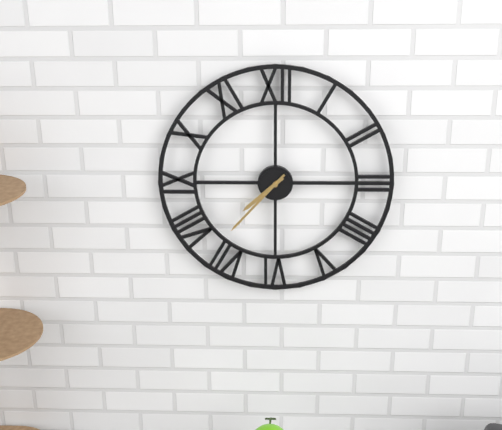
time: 7:37
